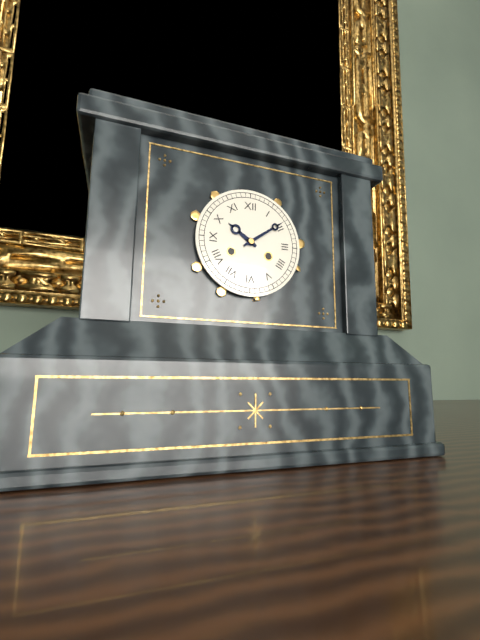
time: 10:09
